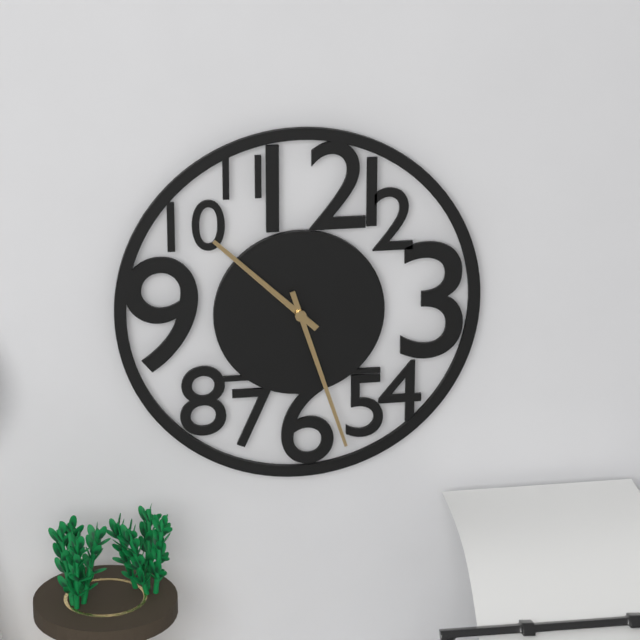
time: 10:27
